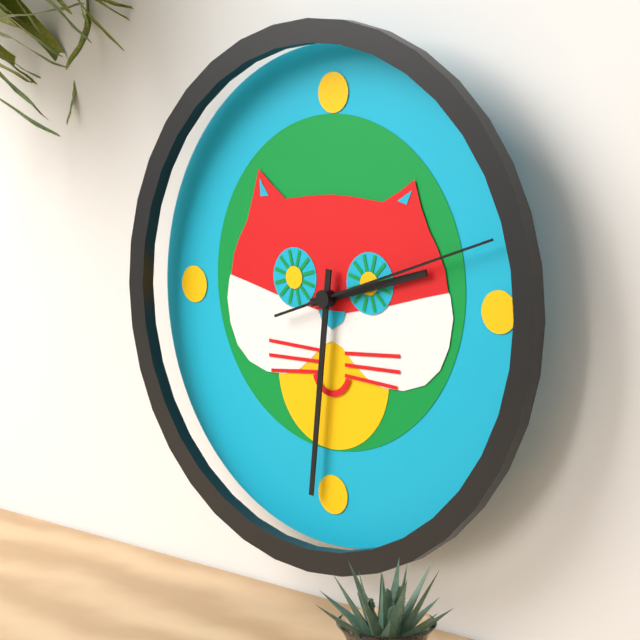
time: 2:31:12
